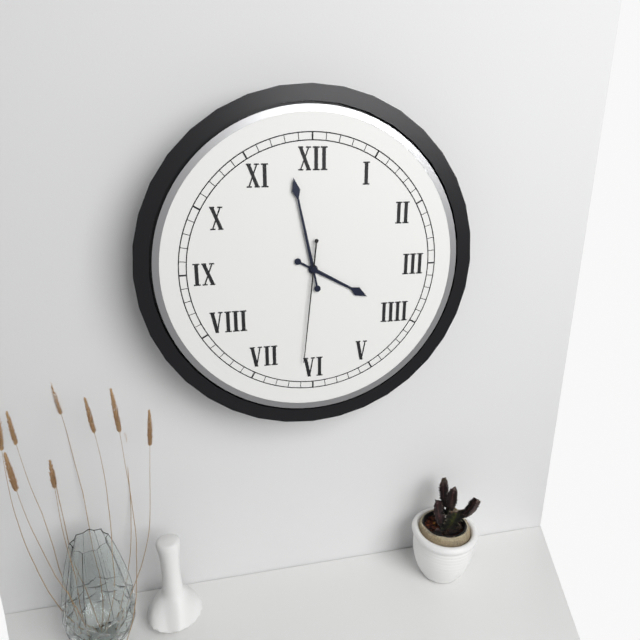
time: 3:58:31
